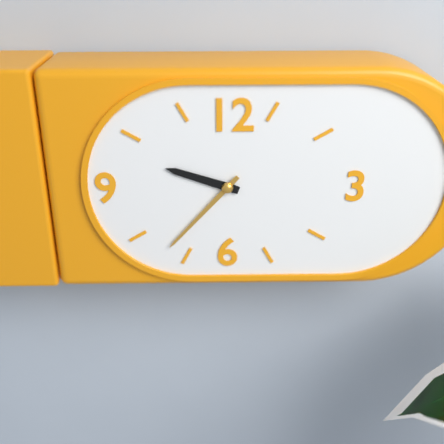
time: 9:37
